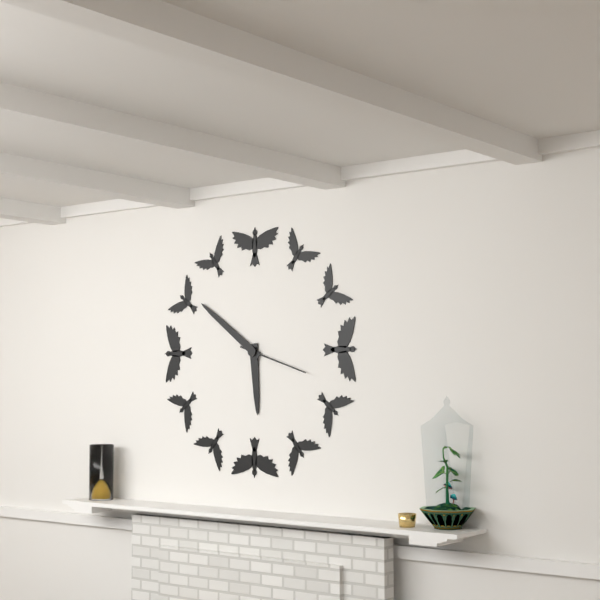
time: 5:51:18
